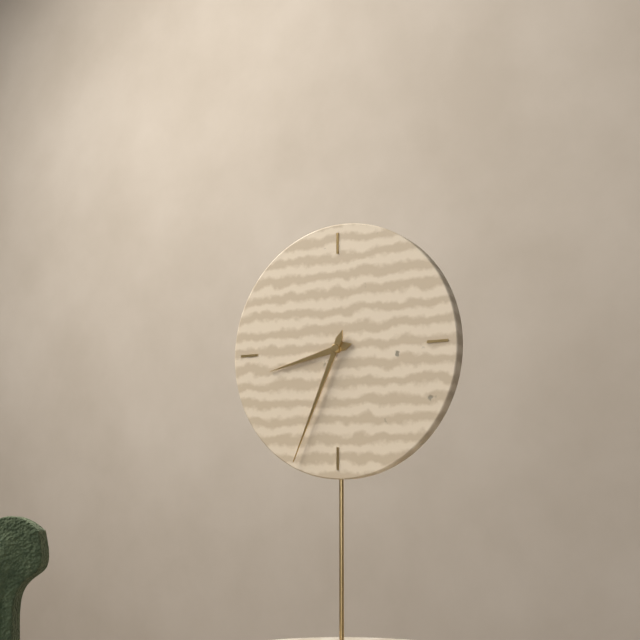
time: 8:34
